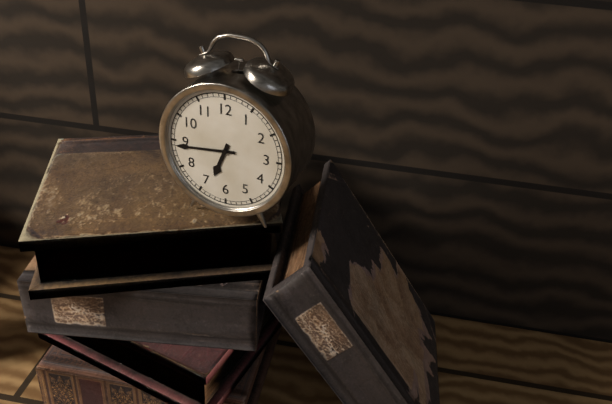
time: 6:44
